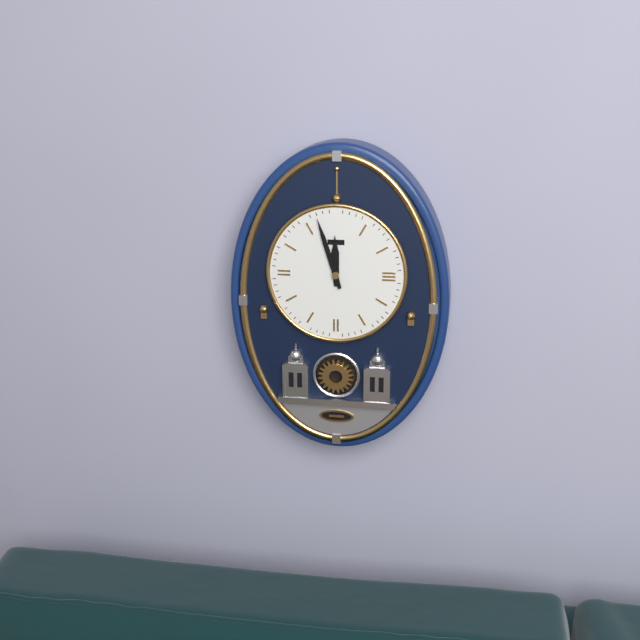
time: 11:57
